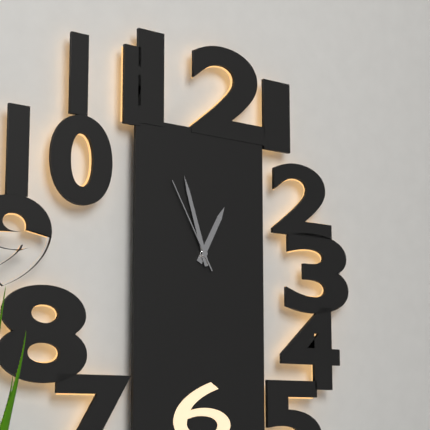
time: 12:57:55
